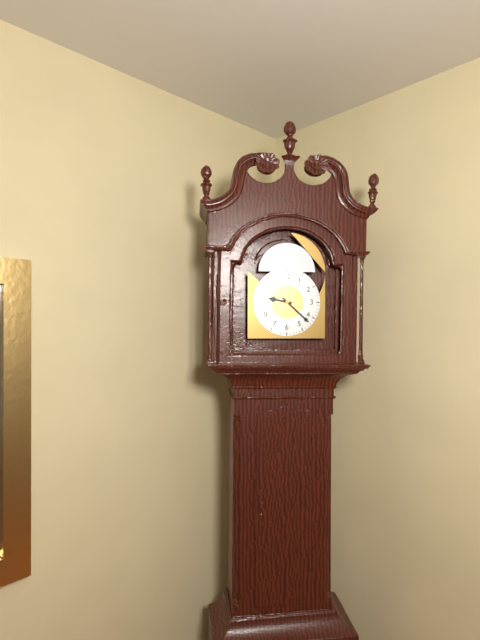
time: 9:22
